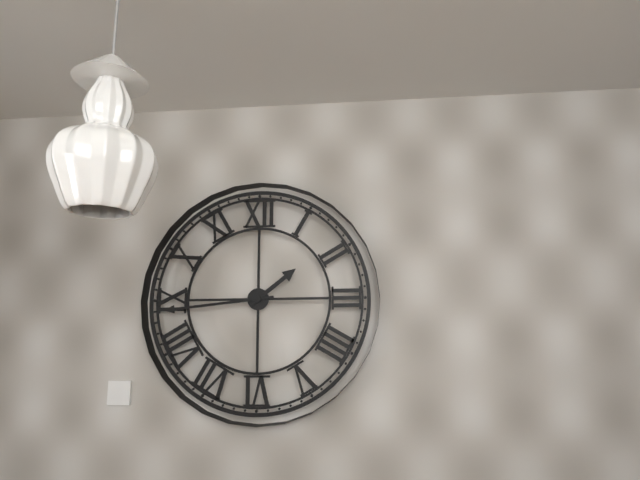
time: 1:44
